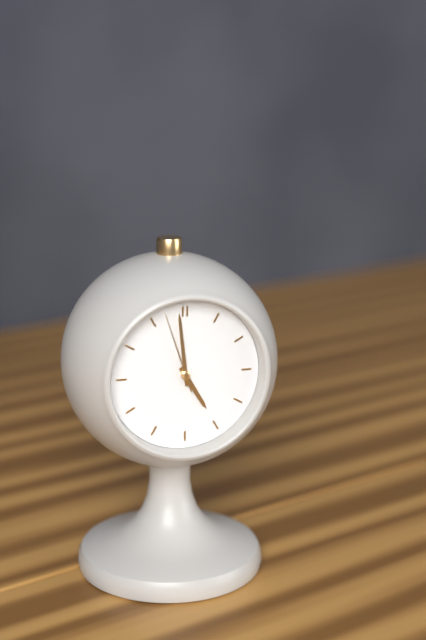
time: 4:59:57
